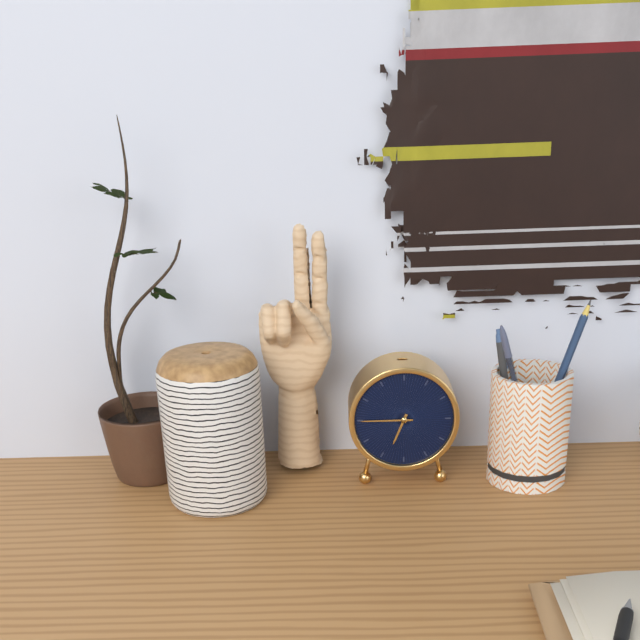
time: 6:45
